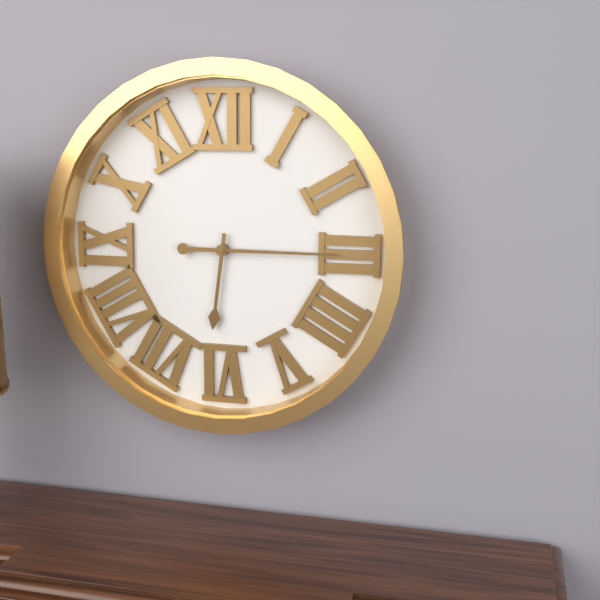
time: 6:15
